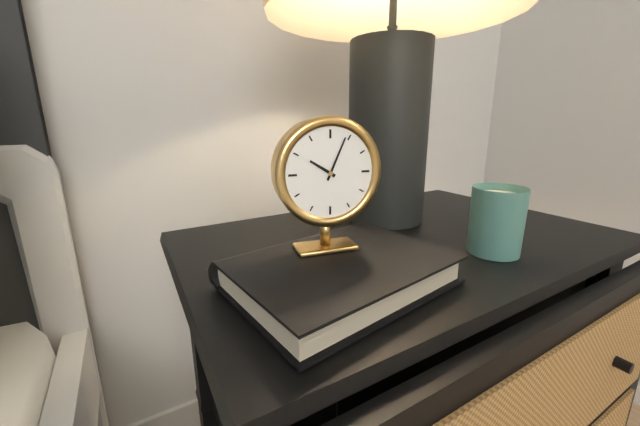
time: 10:04
